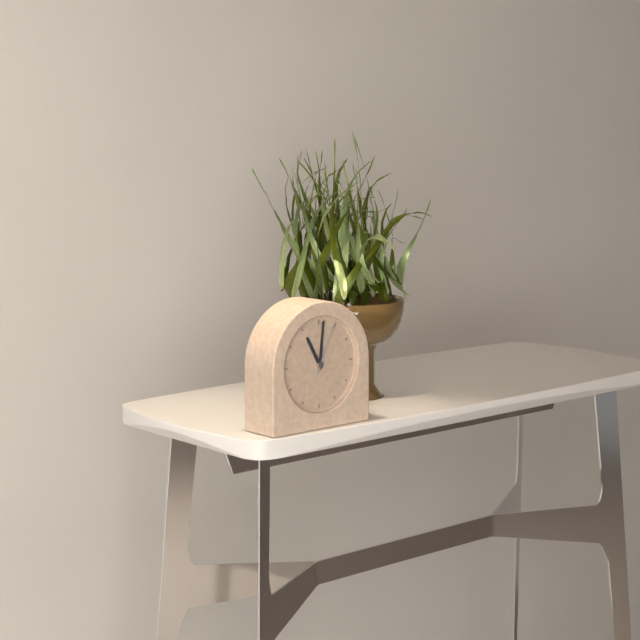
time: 11:01:04
